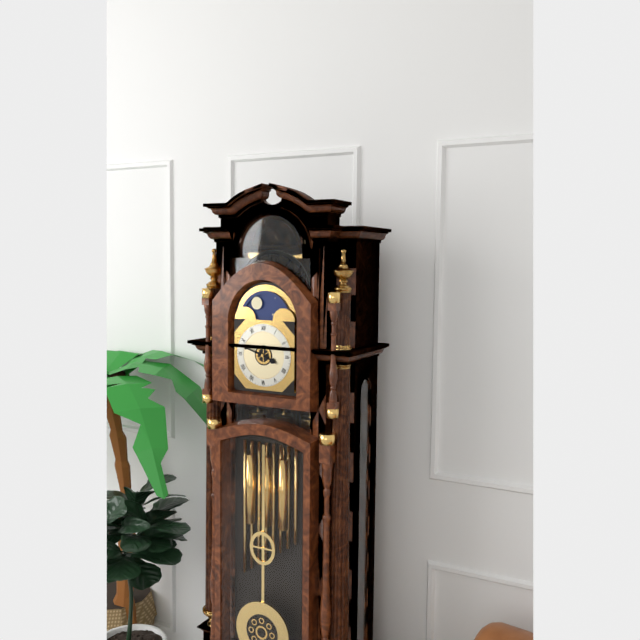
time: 3:48
